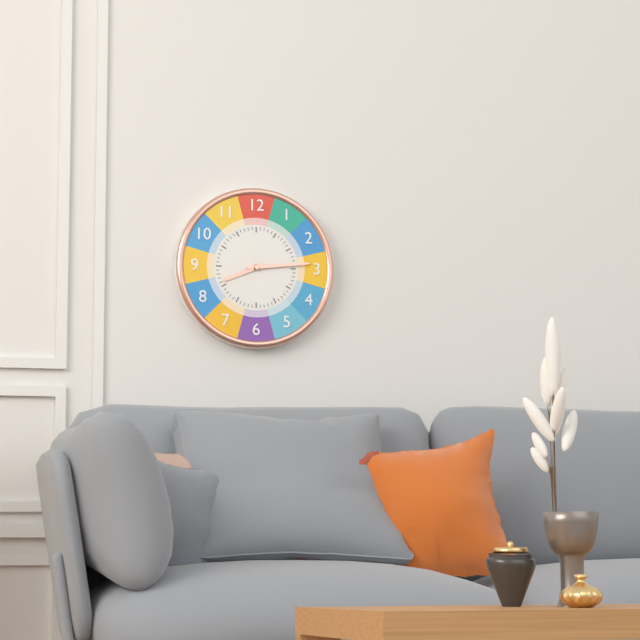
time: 8:14
